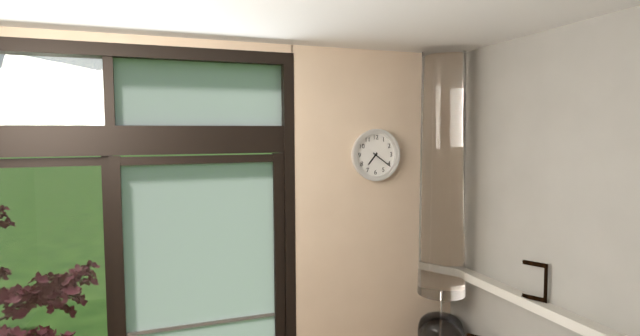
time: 7:21
